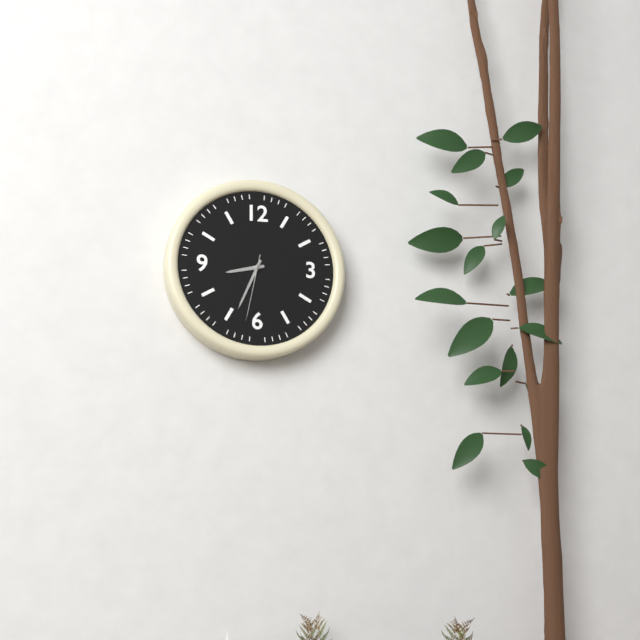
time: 8:34:32
